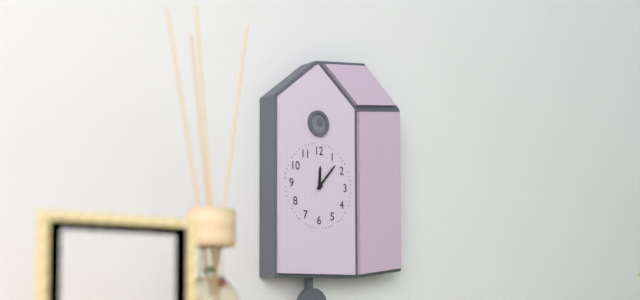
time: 12:07
